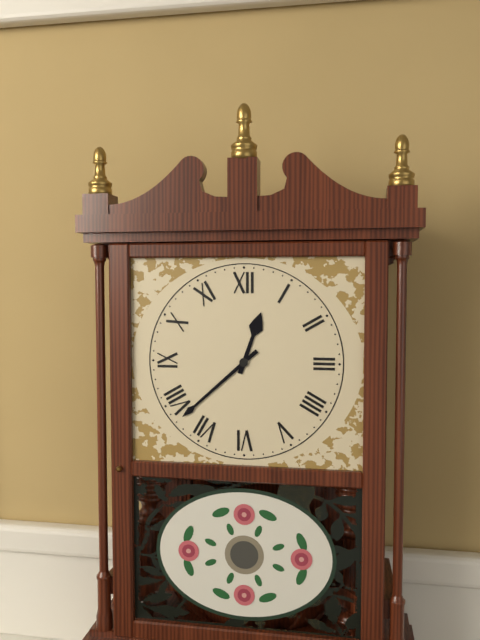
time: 12:38
